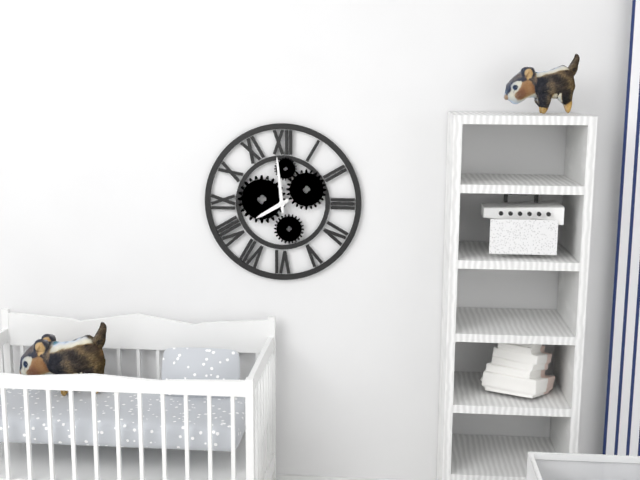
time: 7:59
